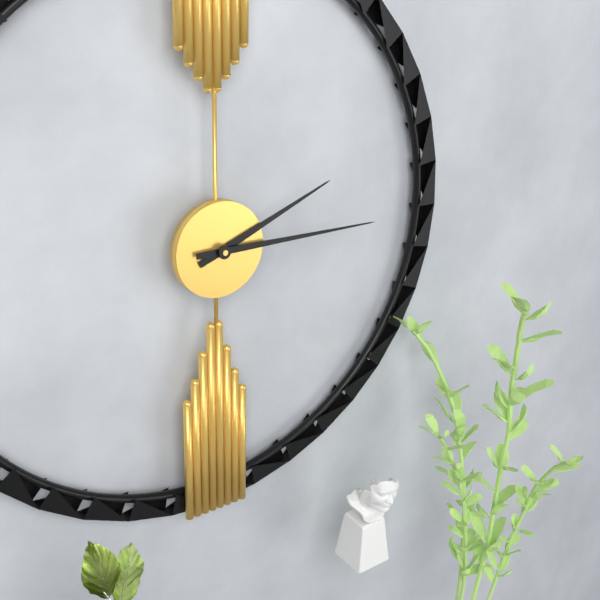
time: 2:15
